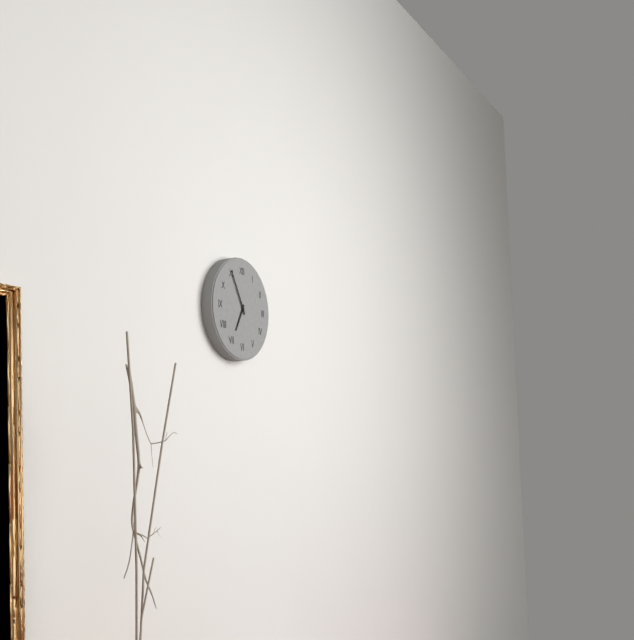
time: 6:55
